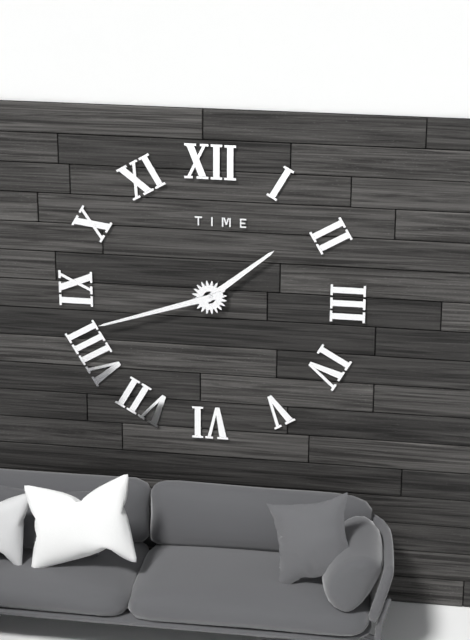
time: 1:42
